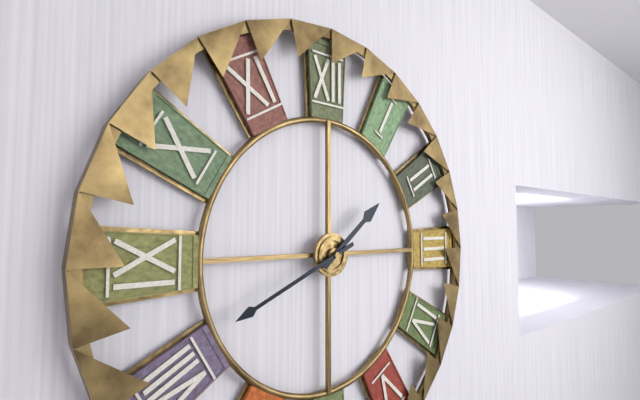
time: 1:41
